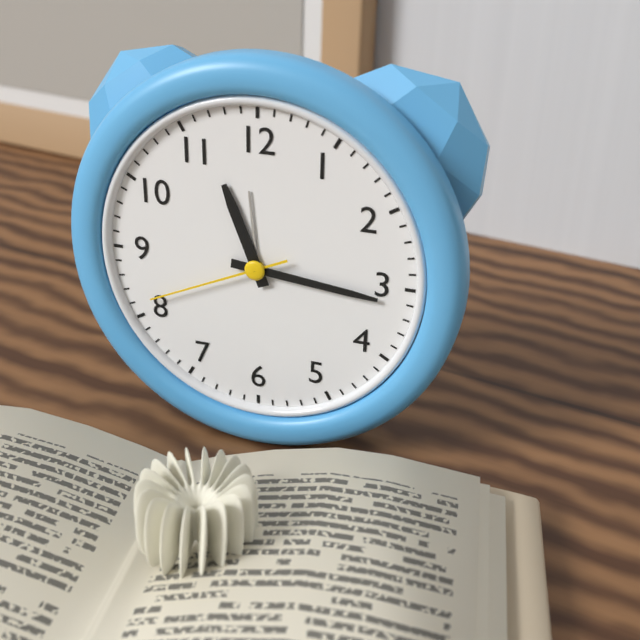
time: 11:16:41
